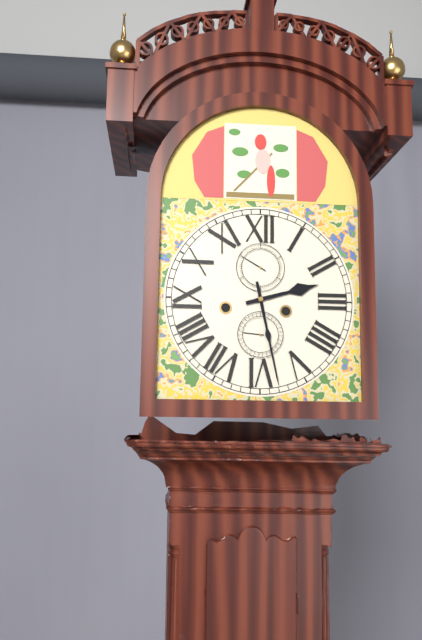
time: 2:28
